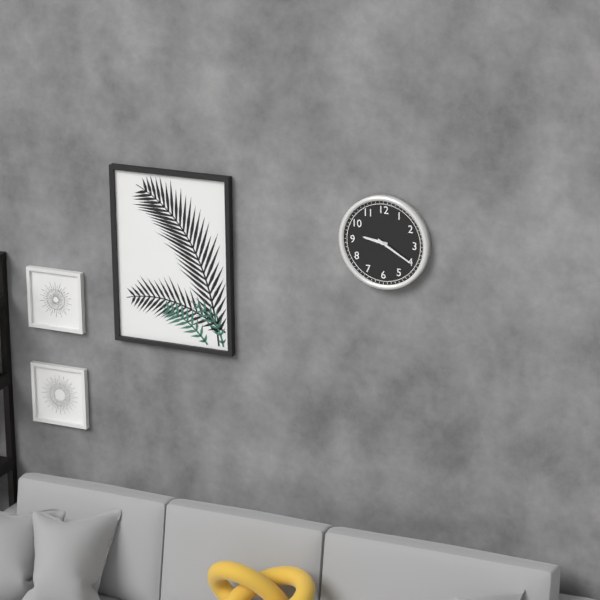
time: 9:20
